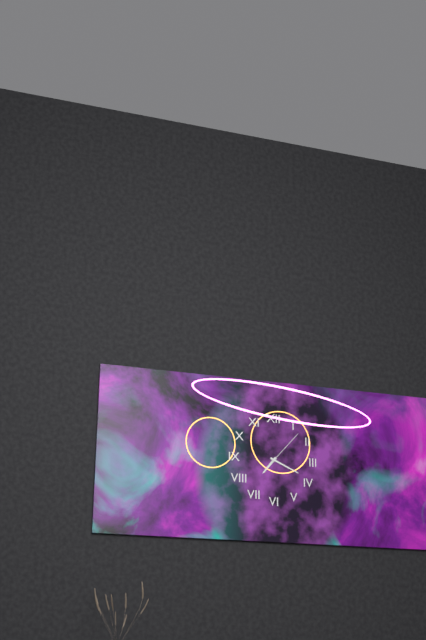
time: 7:19
